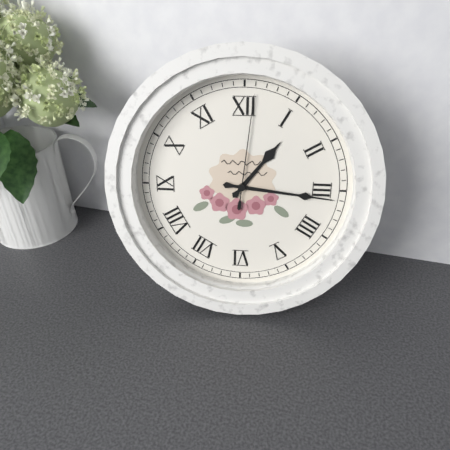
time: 1:16:01
